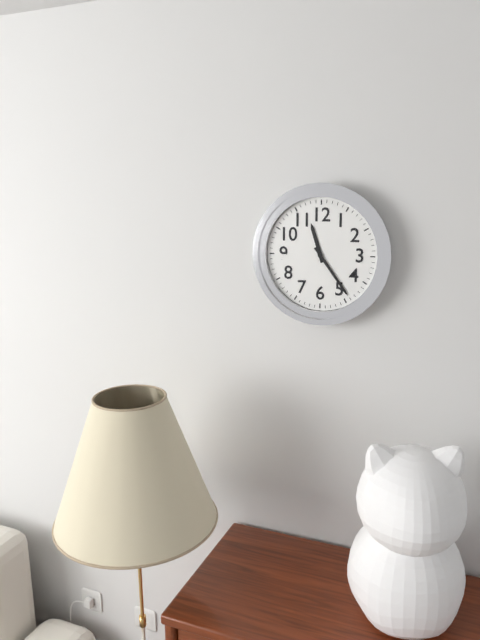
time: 11:24
